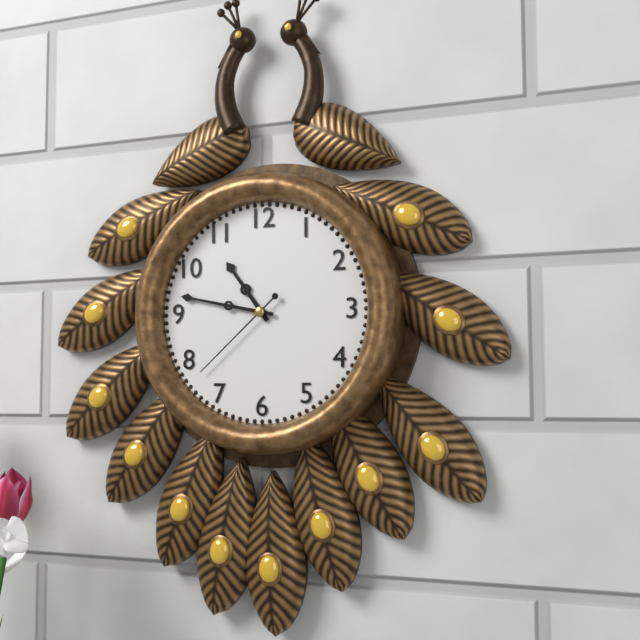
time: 10:47:38
